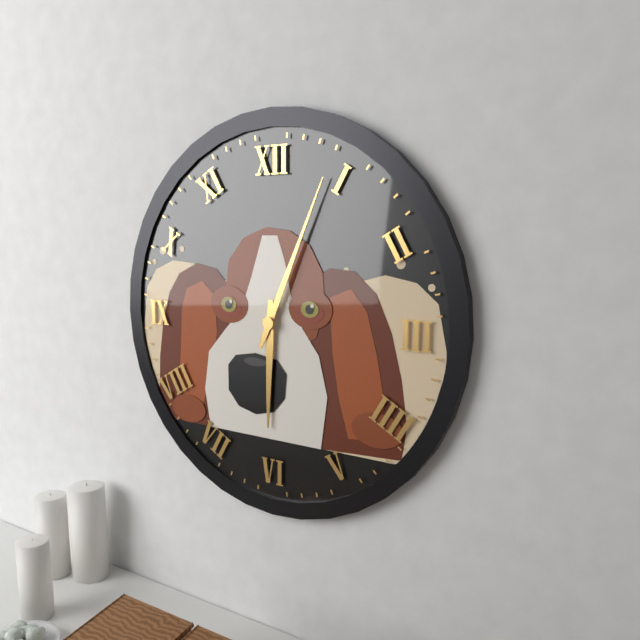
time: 6:04
